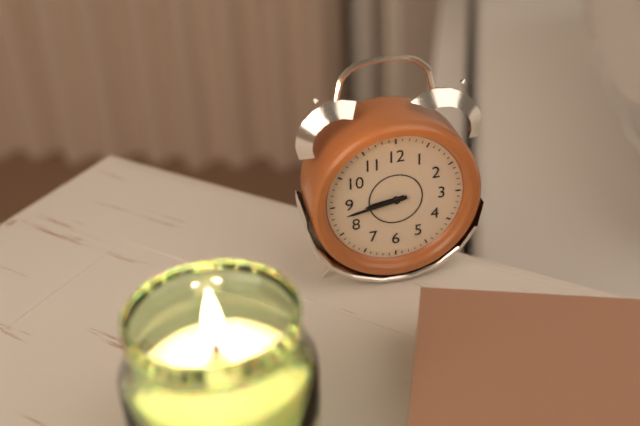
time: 8:43
